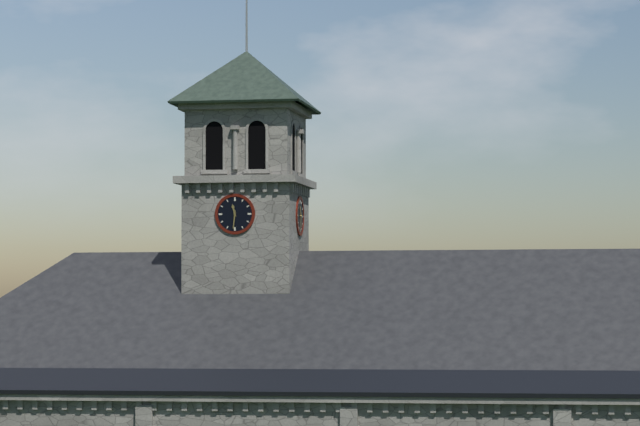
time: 11:31
